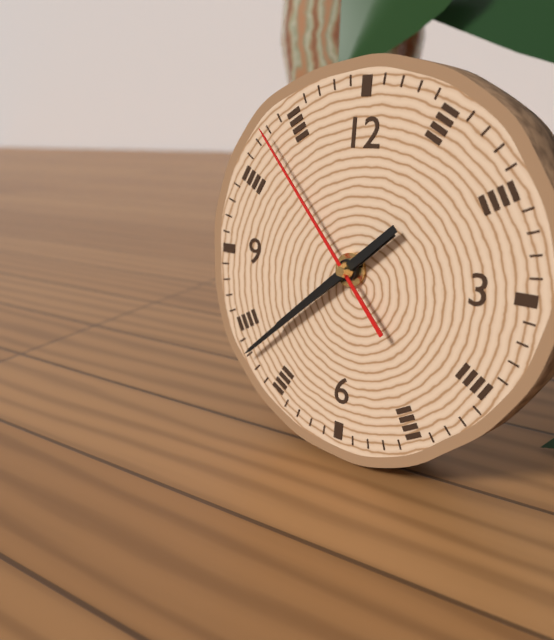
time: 7:38:53
